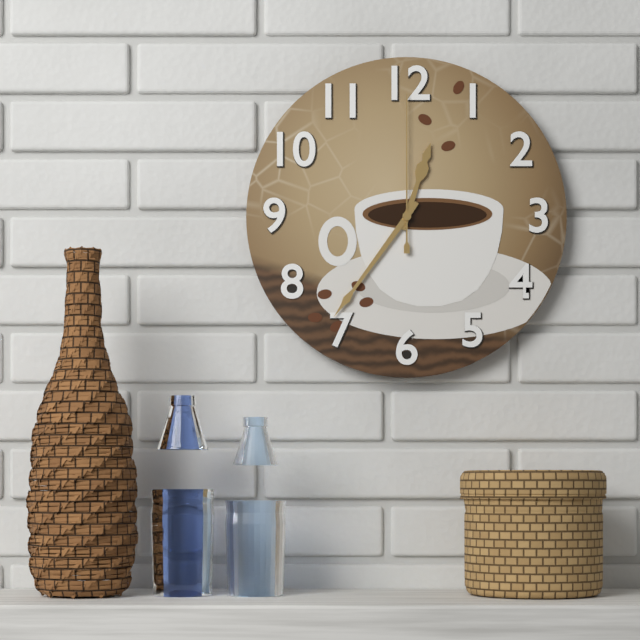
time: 12:36:00
